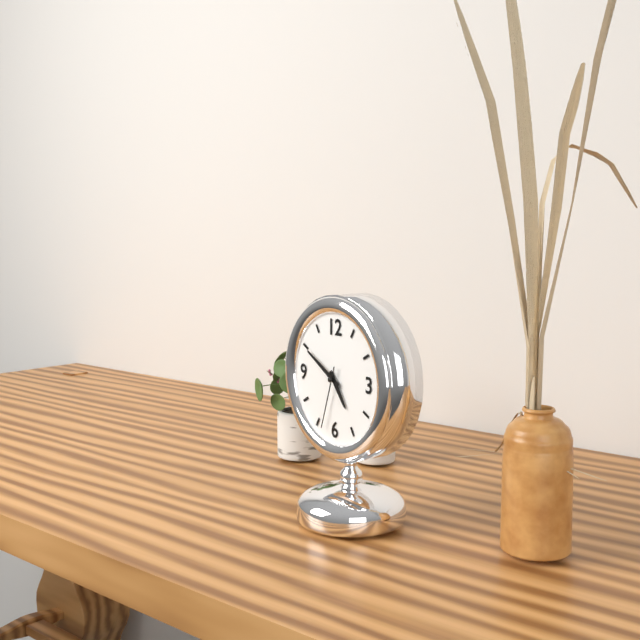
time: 4:50:33
